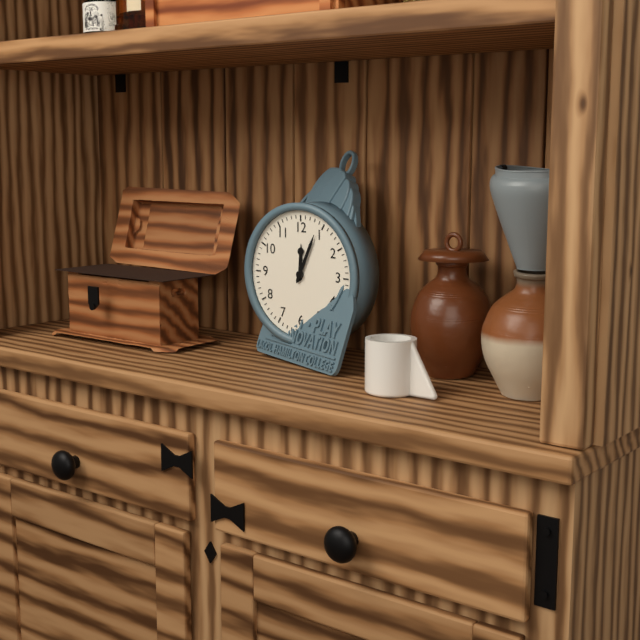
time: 12:04
